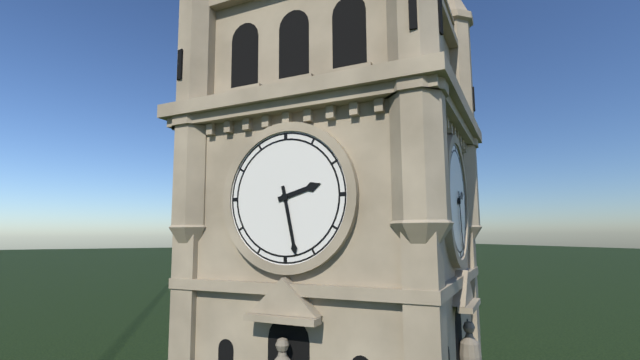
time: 2:28
